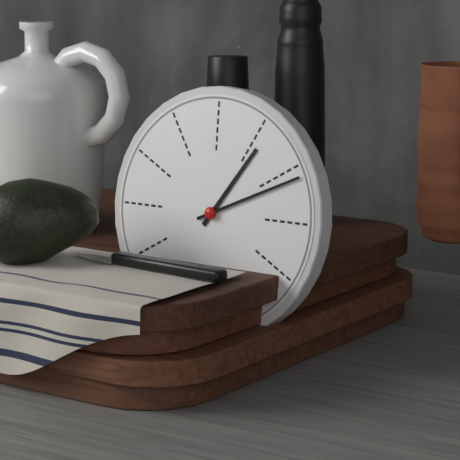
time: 1:11
